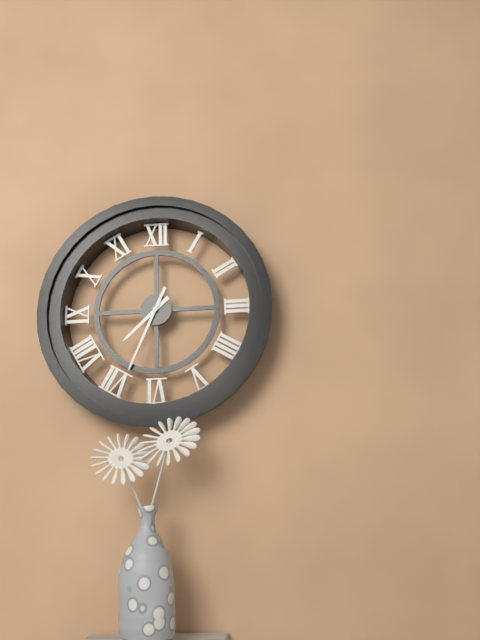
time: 7:34
